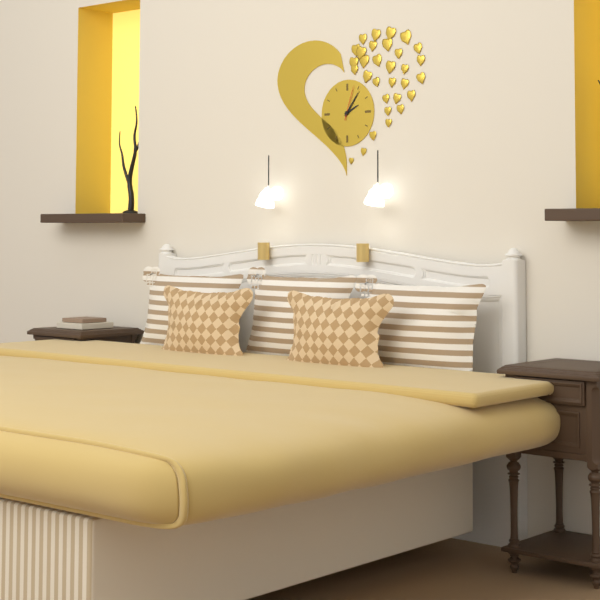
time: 2:06
